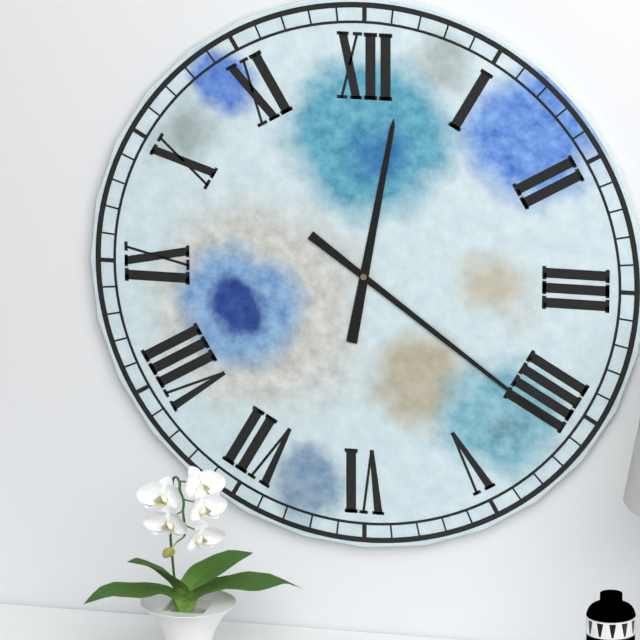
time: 12:21
